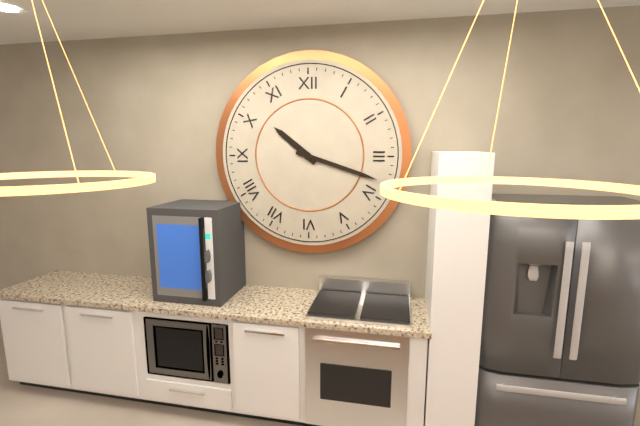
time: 10:18
